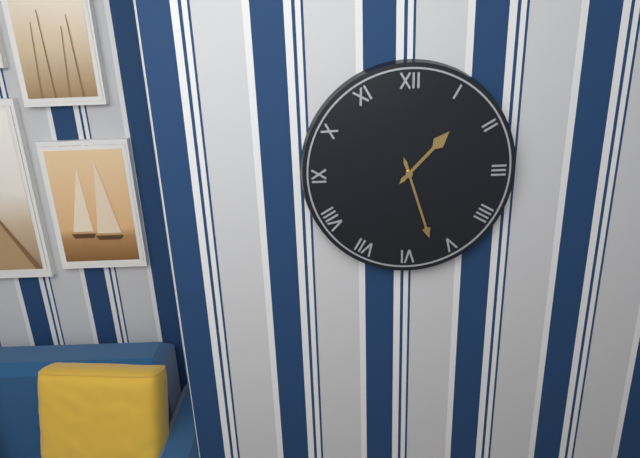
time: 1:27
